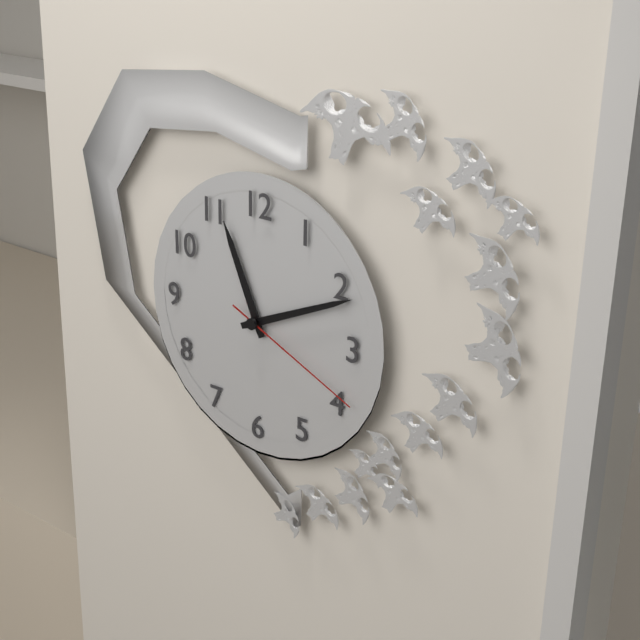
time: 11:11:19
